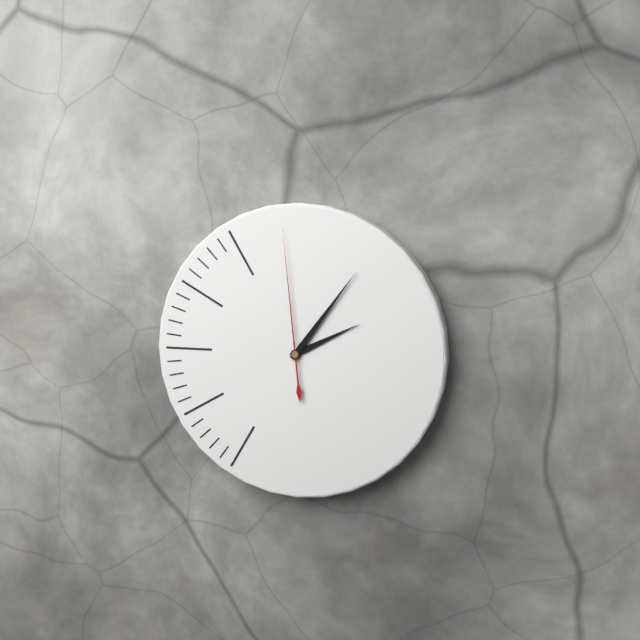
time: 2:06:59
